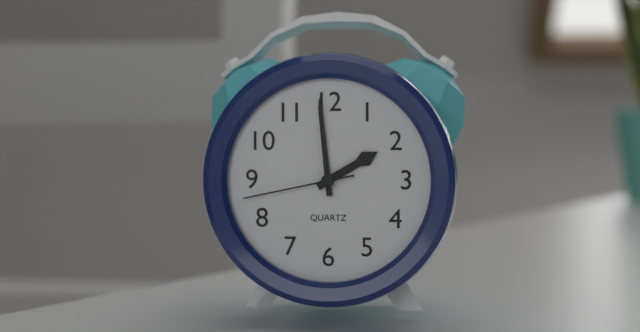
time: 1:59:43
